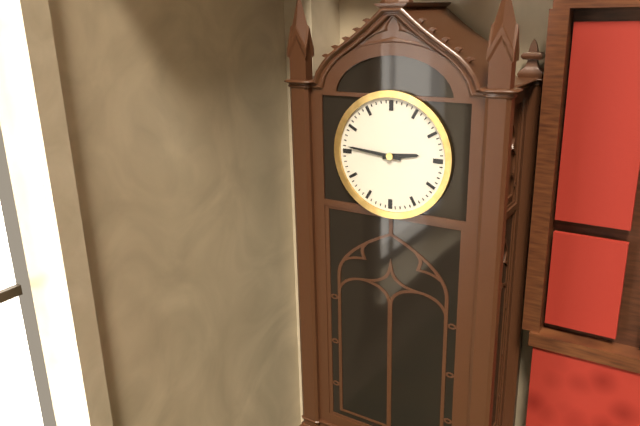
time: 2:46
